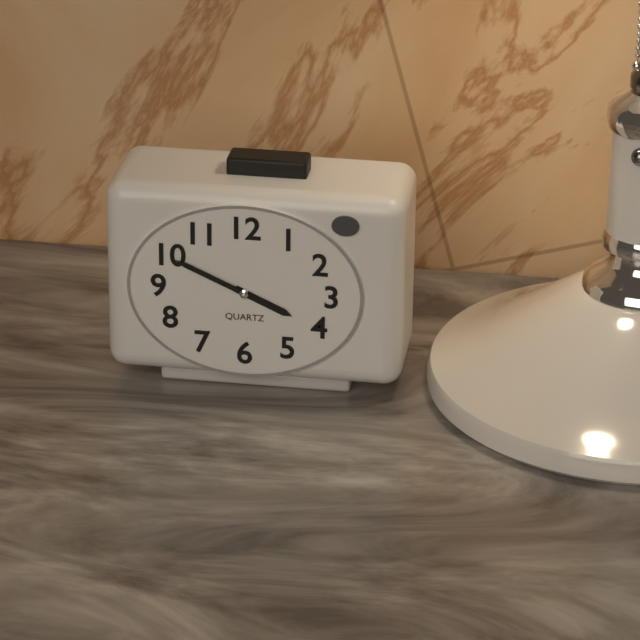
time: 3:49
